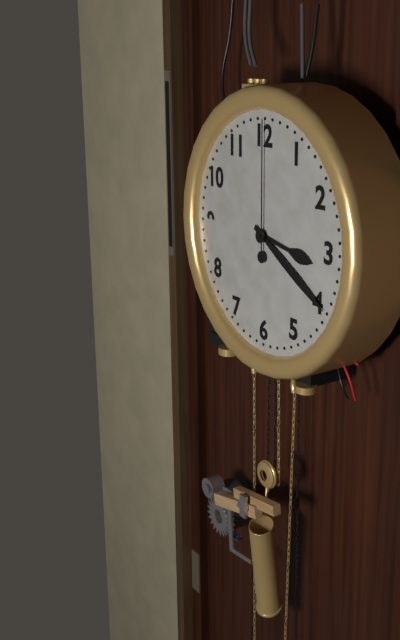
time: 3:20:00
